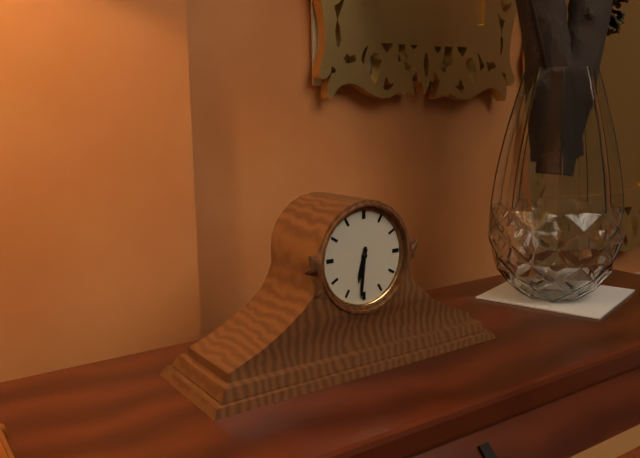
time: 6:31
